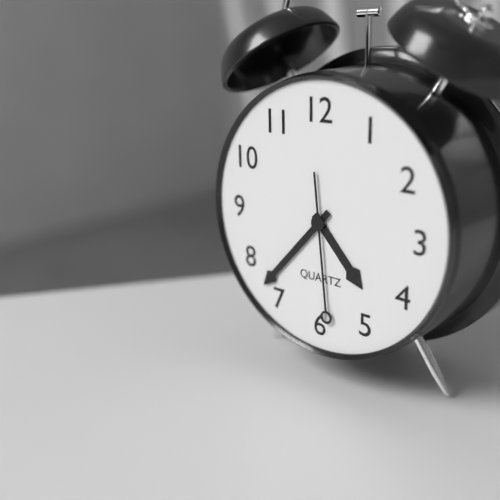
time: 4:37:29
